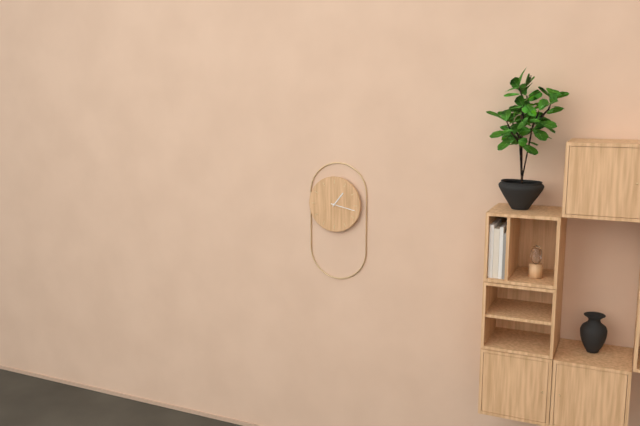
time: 1:17
